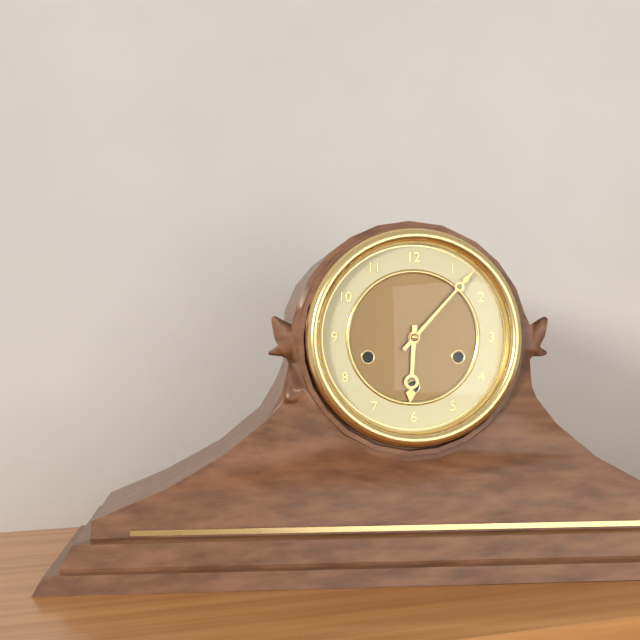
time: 6:07
